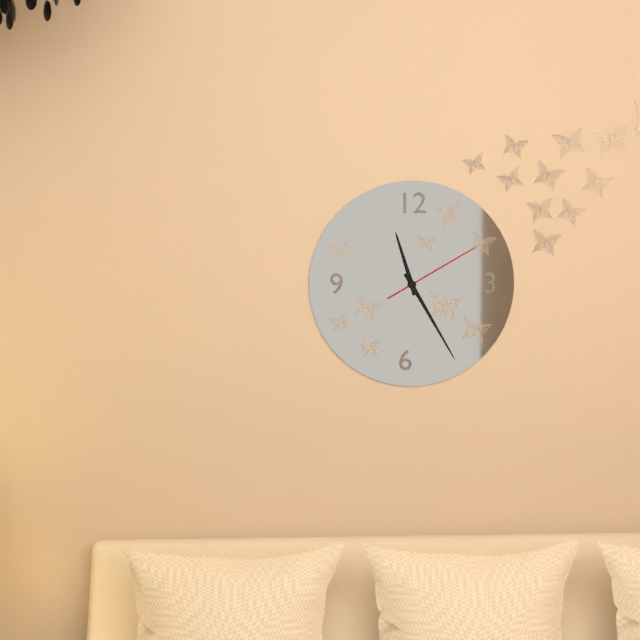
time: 11:25:10
